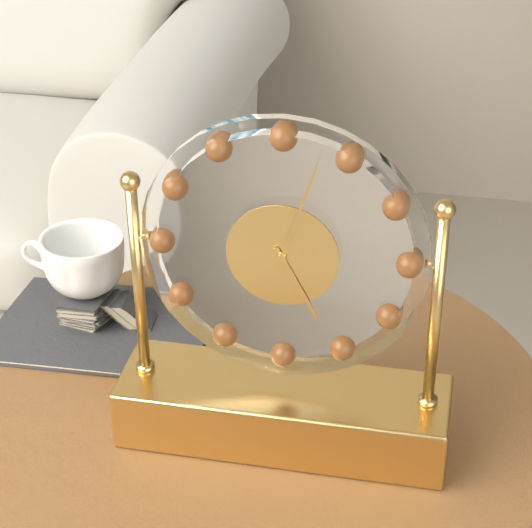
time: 5:03
